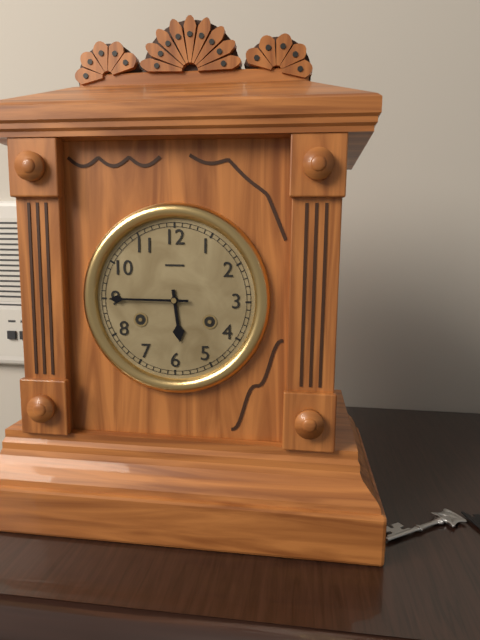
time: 5:45
